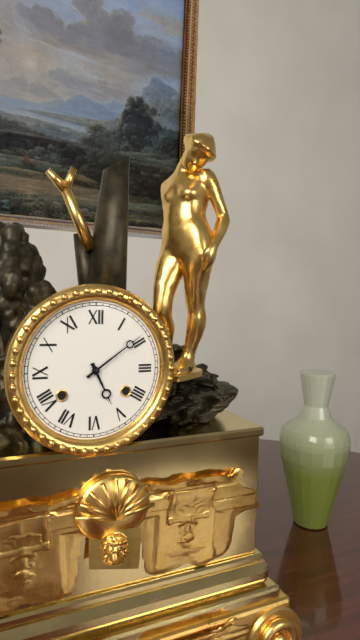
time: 5:09
